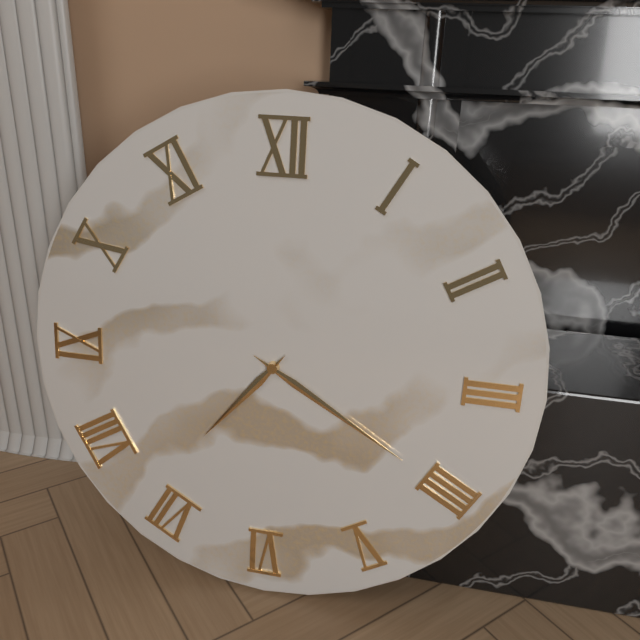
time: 7:20
